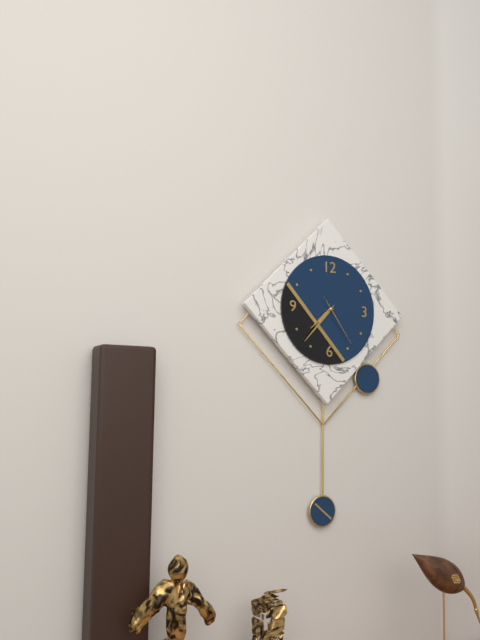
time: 7:37
